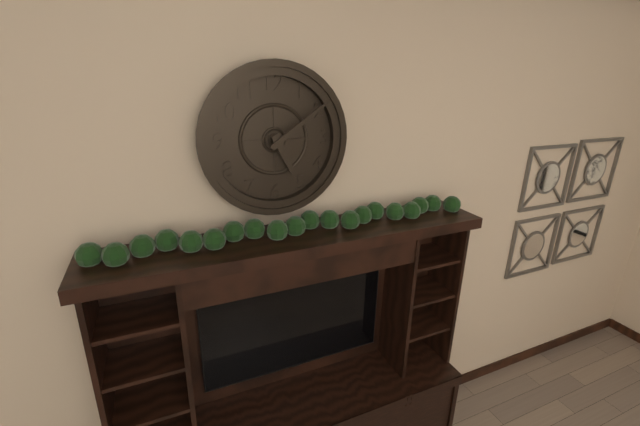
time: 5:09
